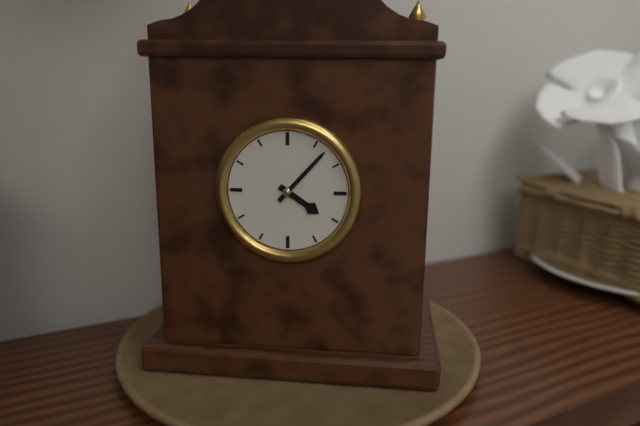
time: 4:07
